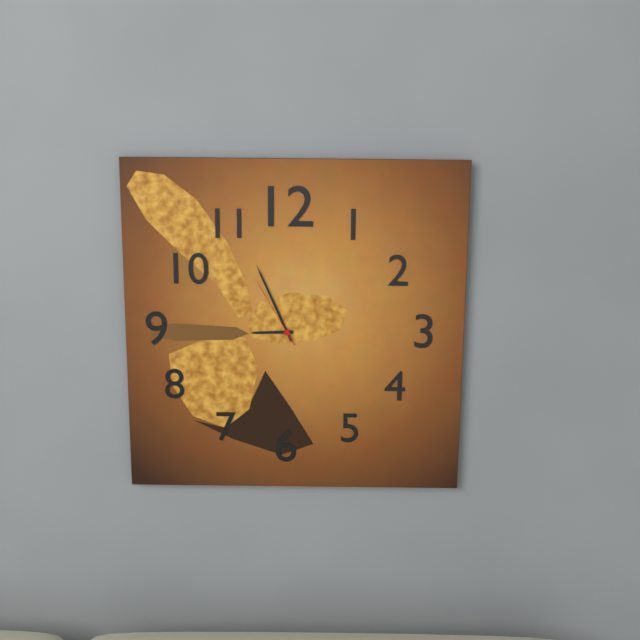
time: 8:56:55
